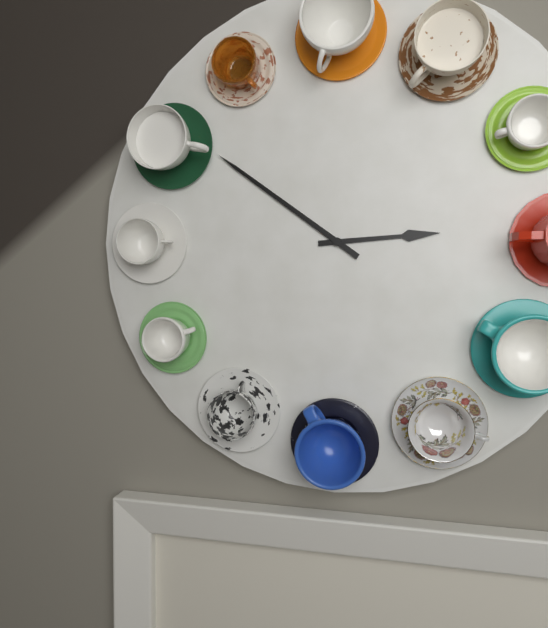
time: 2:51
